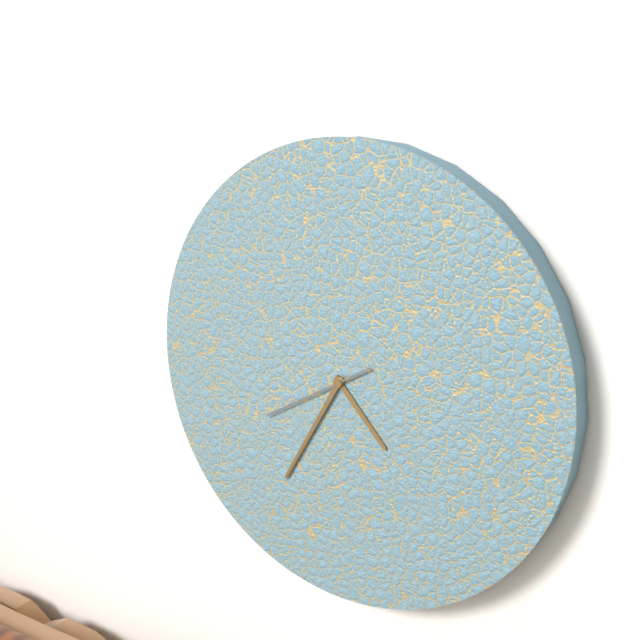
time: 4:35:40
